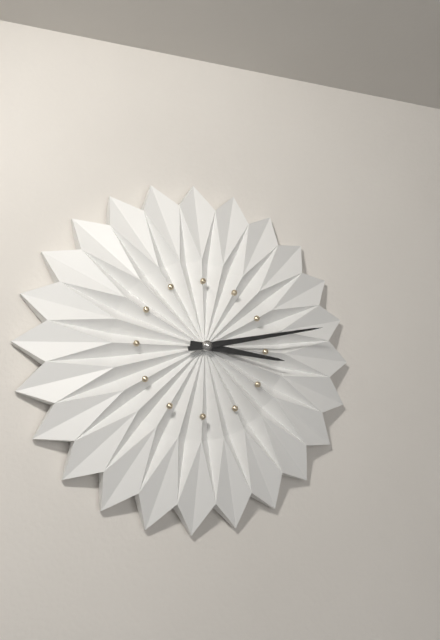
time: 3:13
